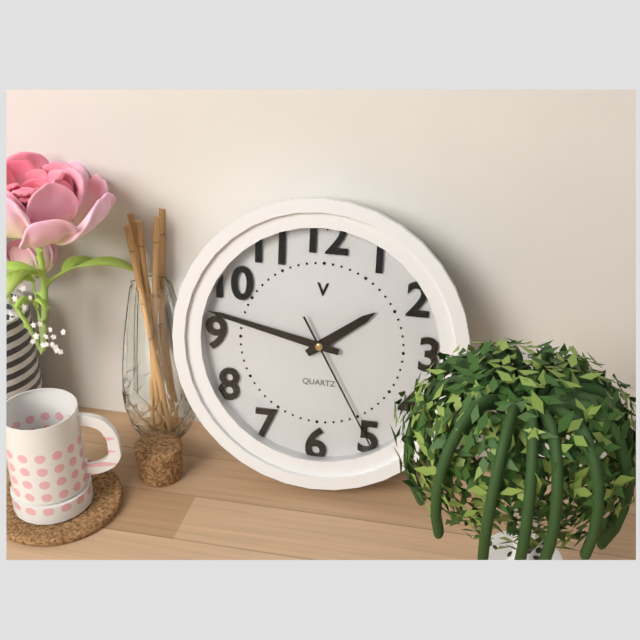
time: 1:47:25
